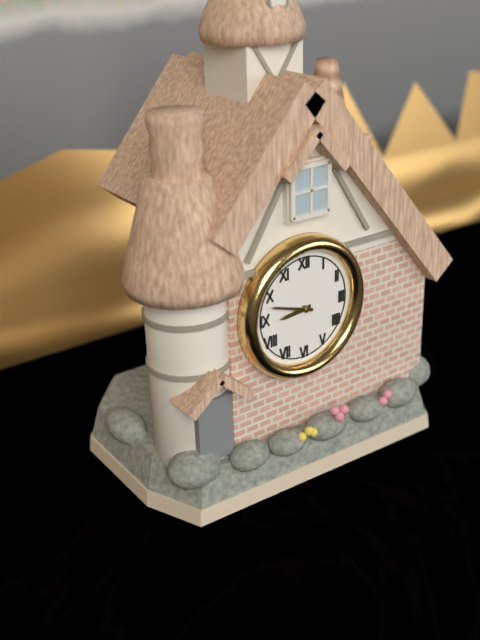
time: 8:48
